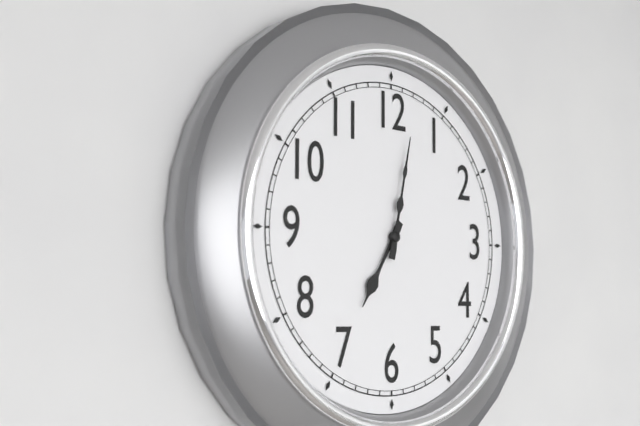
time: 7:02
